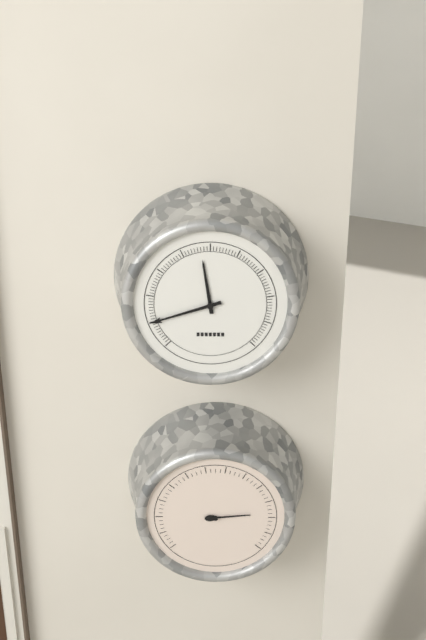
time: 11:42
